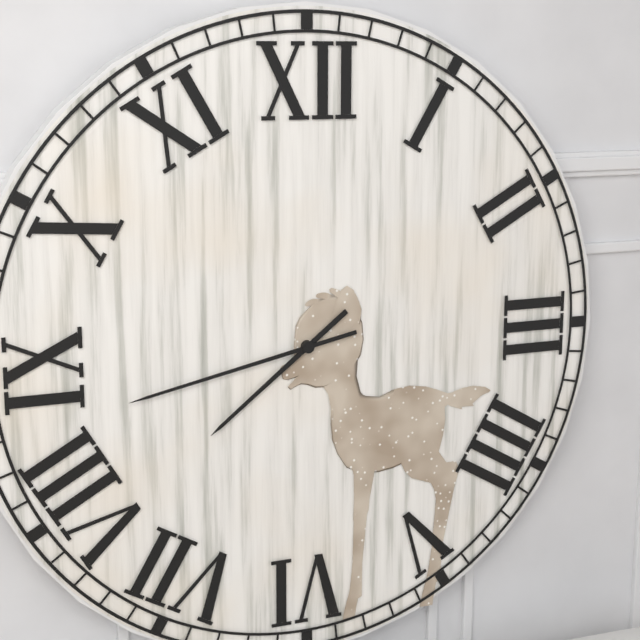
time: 7:43
